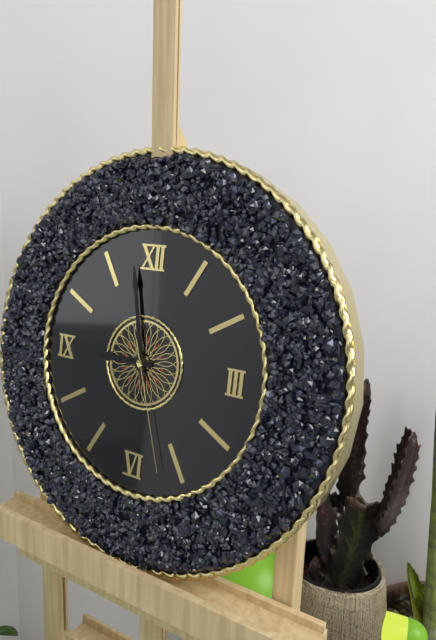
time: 8:58:27
